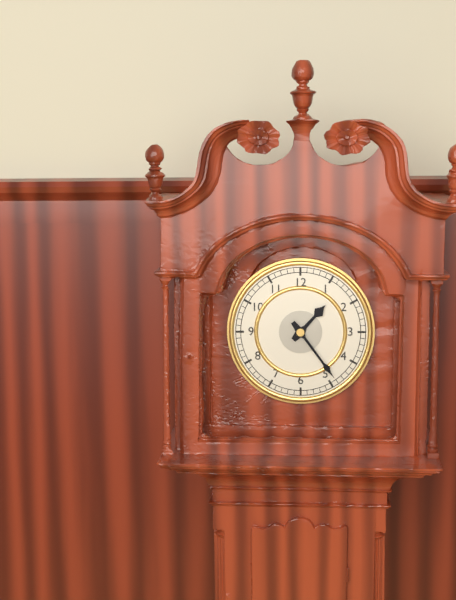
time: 1:24
